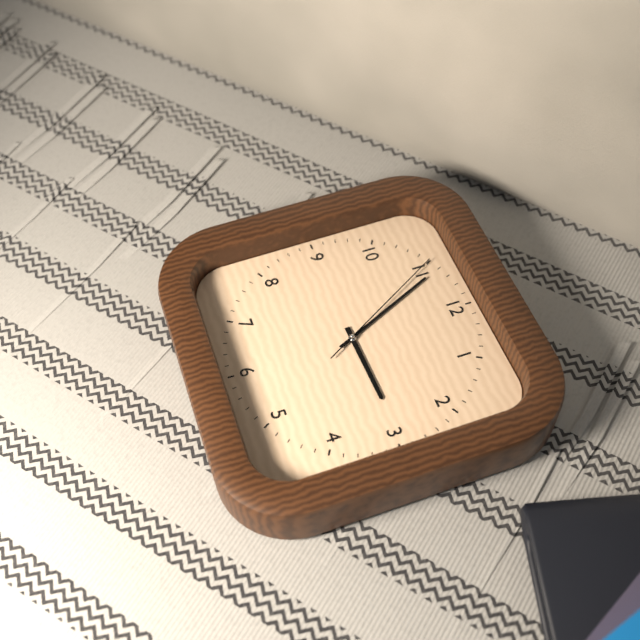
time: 2:56:55
